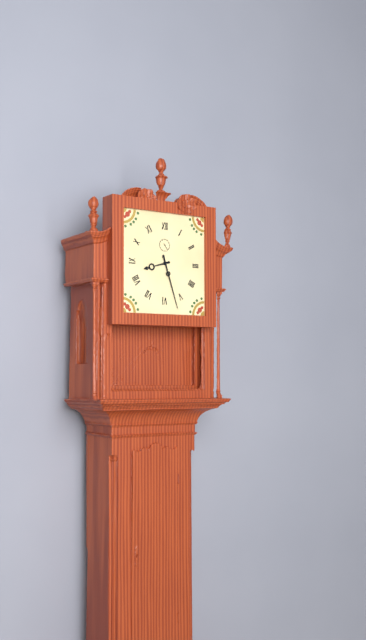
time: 8:27
